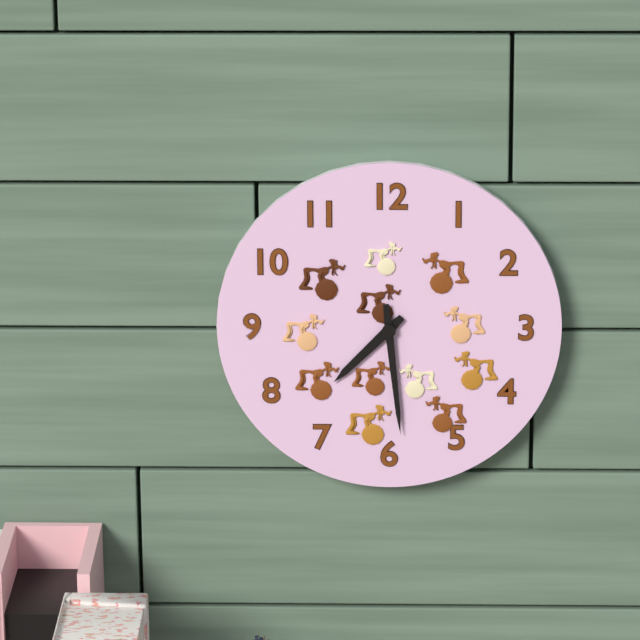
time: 7:29
